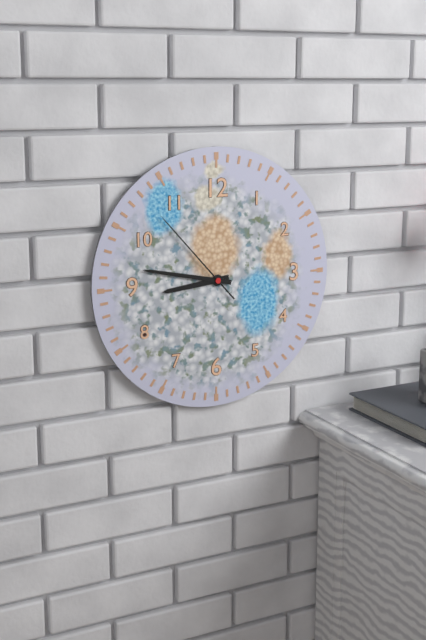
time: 8:47:53
